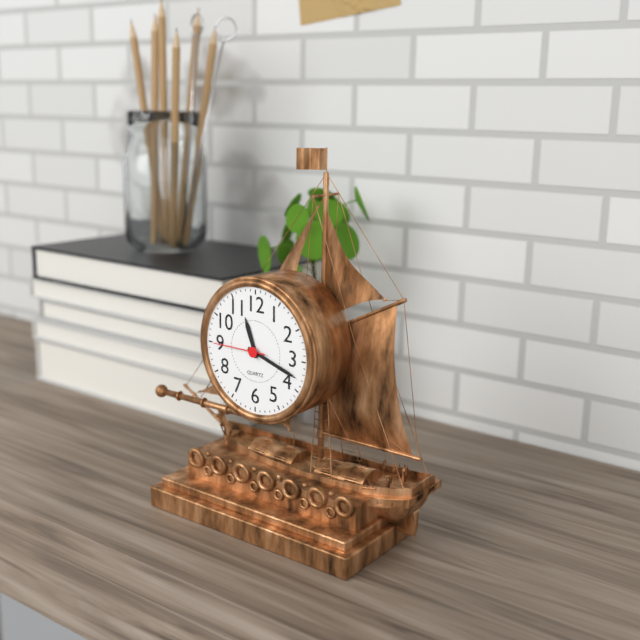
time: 11:18:45
